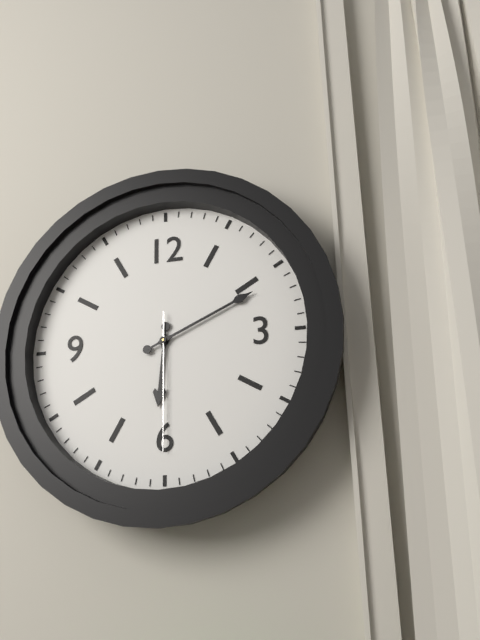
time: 6:11:30
